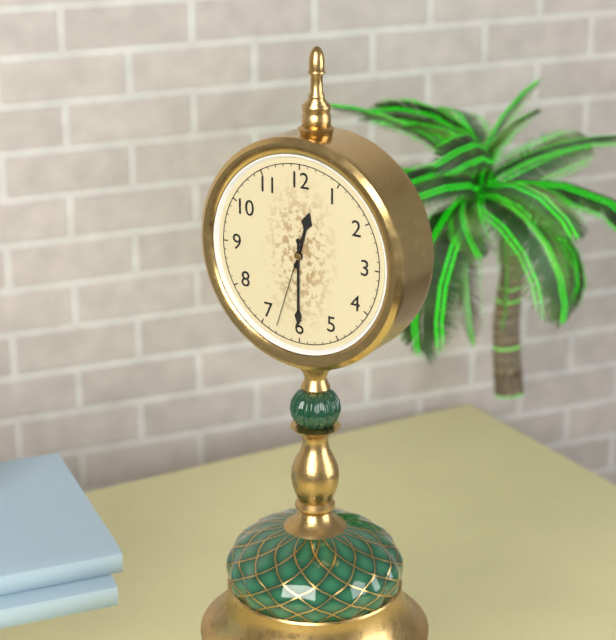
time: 12:30:33
